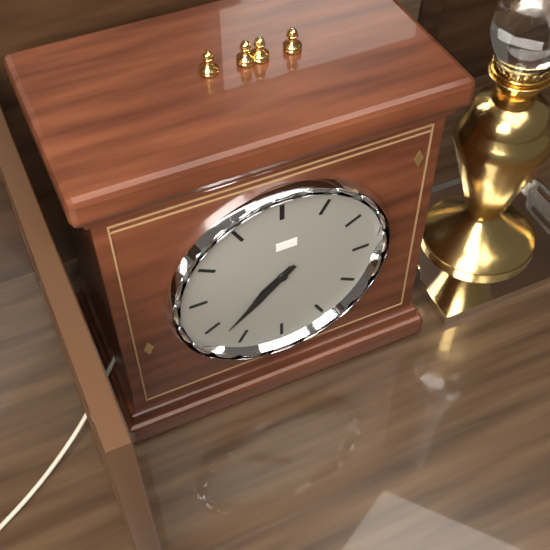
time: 7:38
